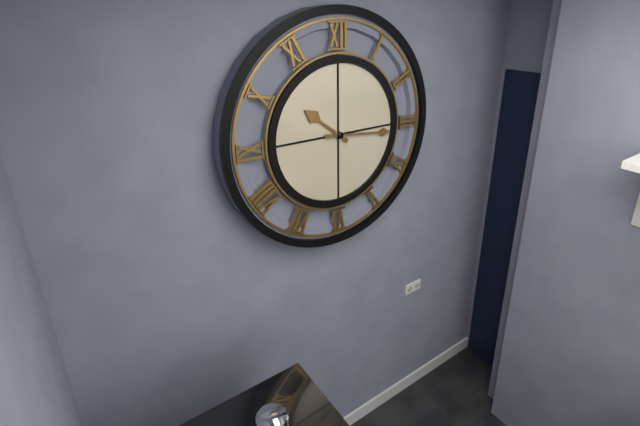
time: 10:16
